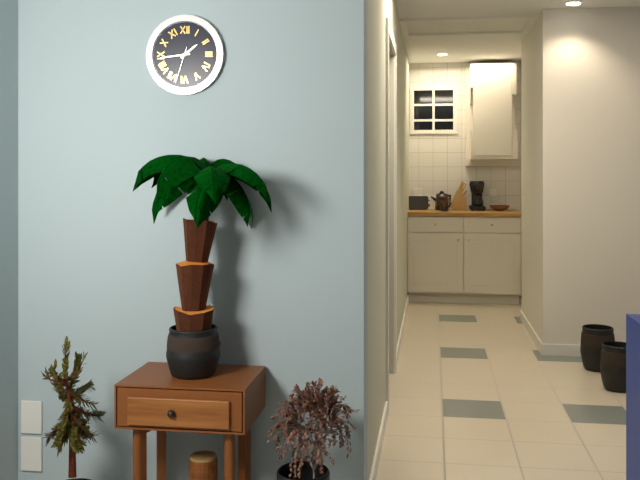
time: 1:44
